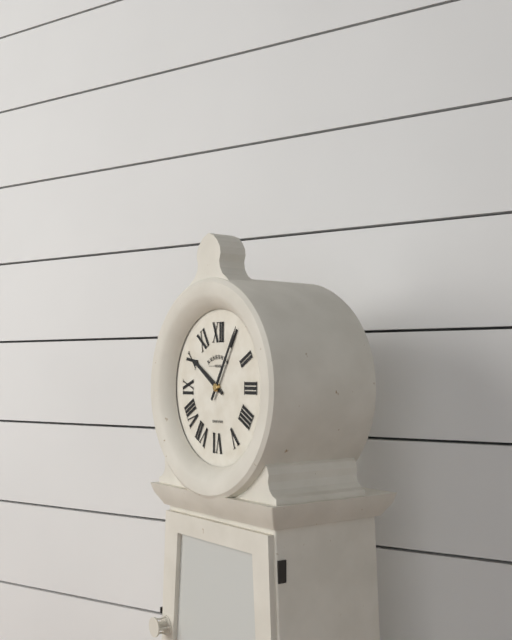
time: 10:05
